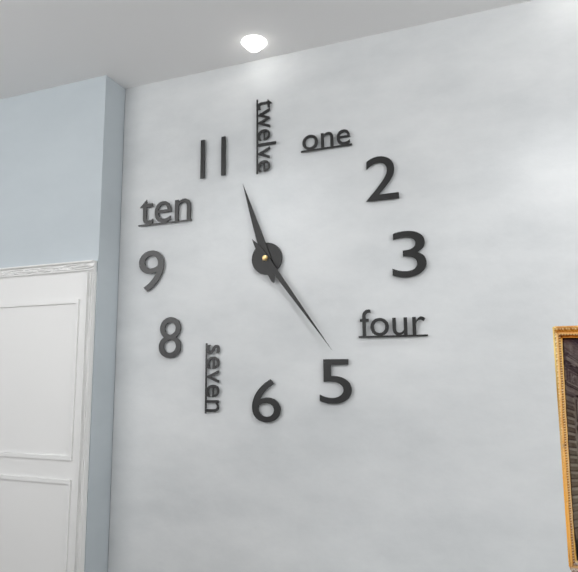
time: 11:24
